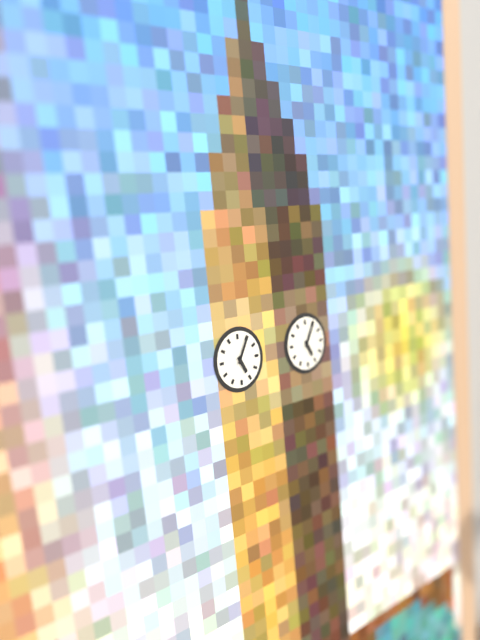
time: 5:05
